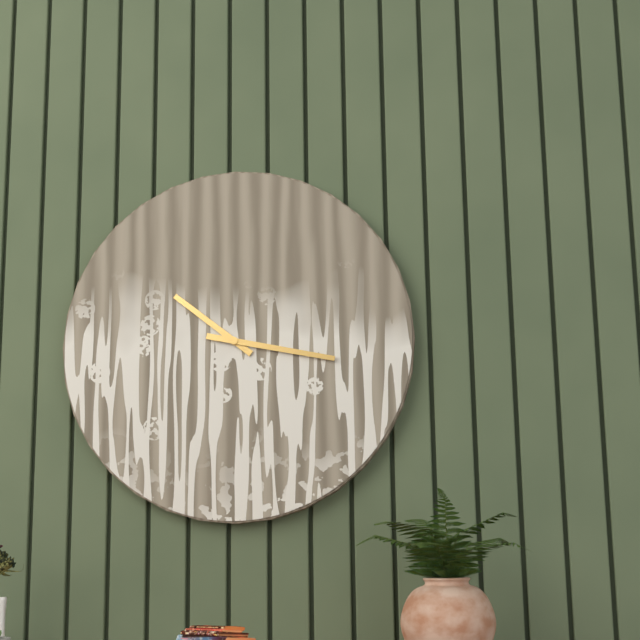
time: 10:17
